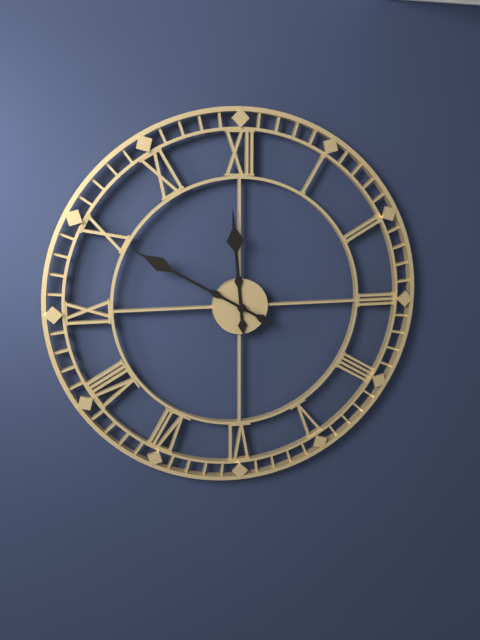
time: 11:50
